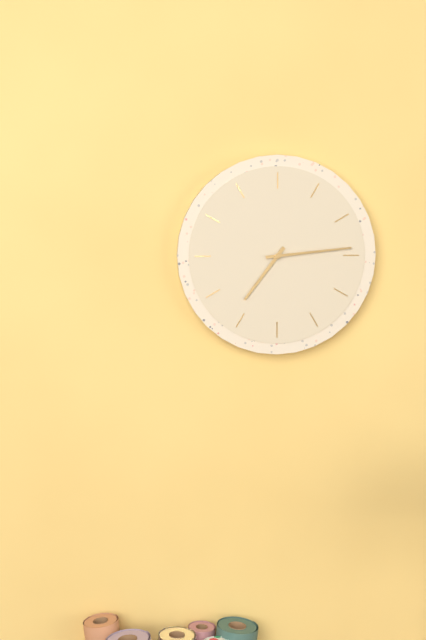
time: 7:14
